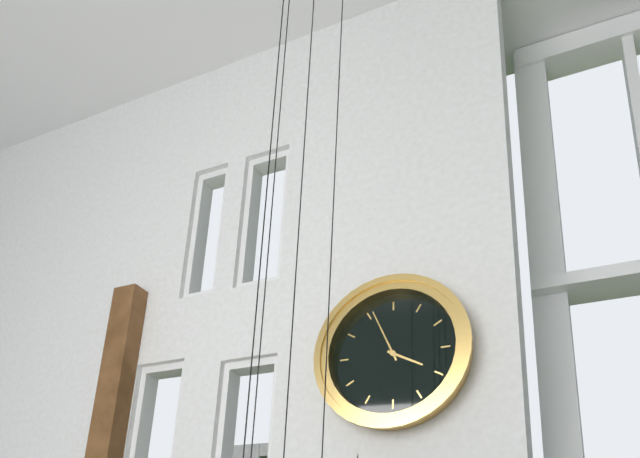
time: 3:56
